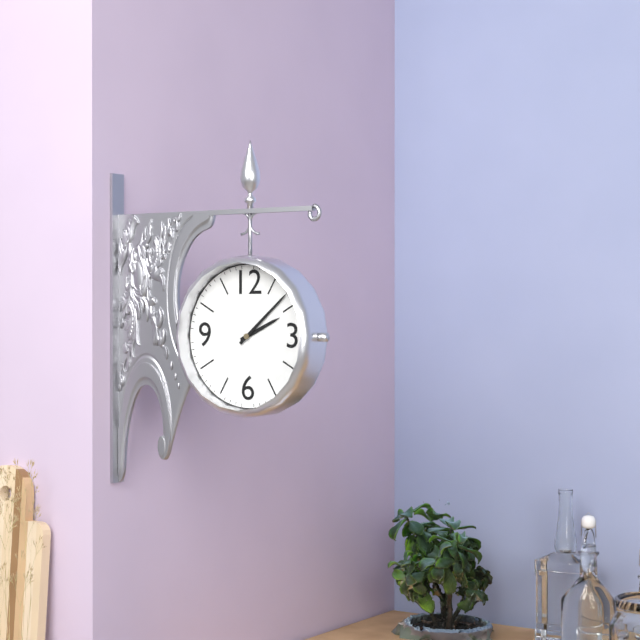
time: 2:08
